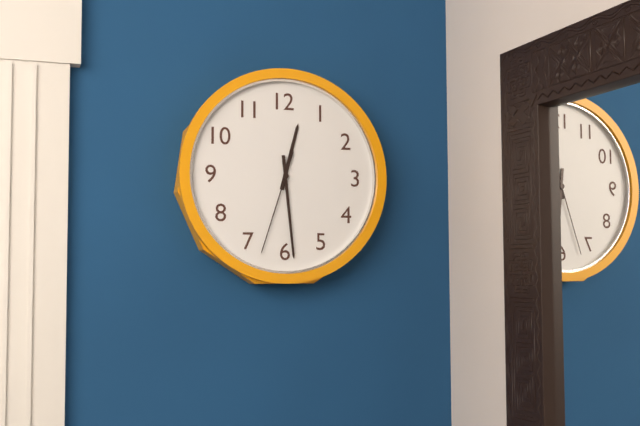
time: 12:29:33
